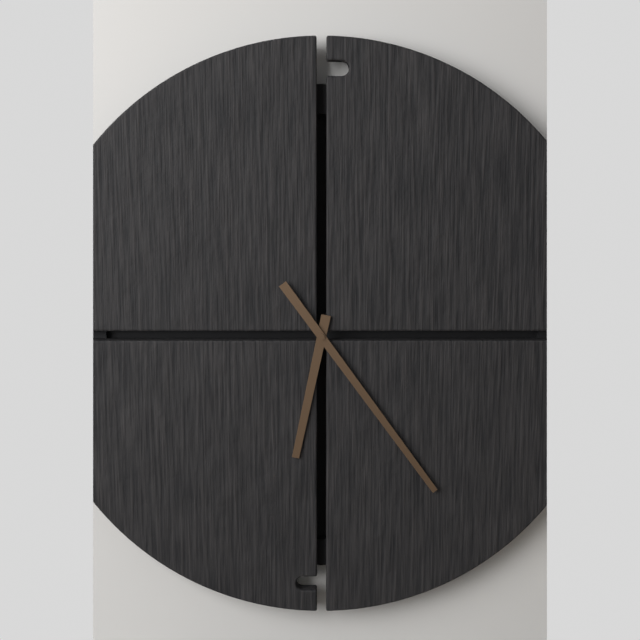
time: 6:24
